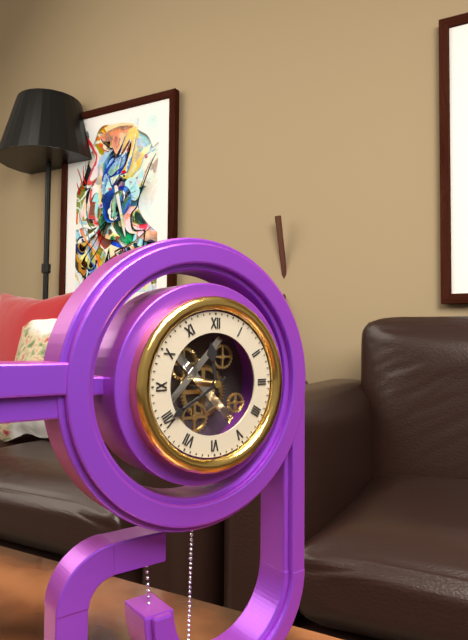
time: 11:40
